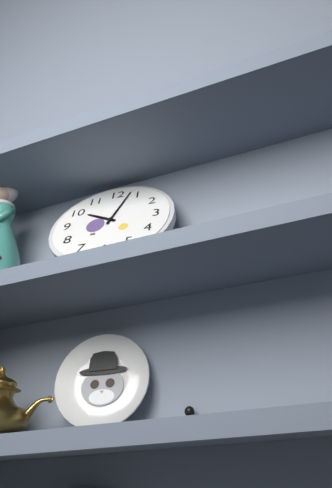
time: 10:03
